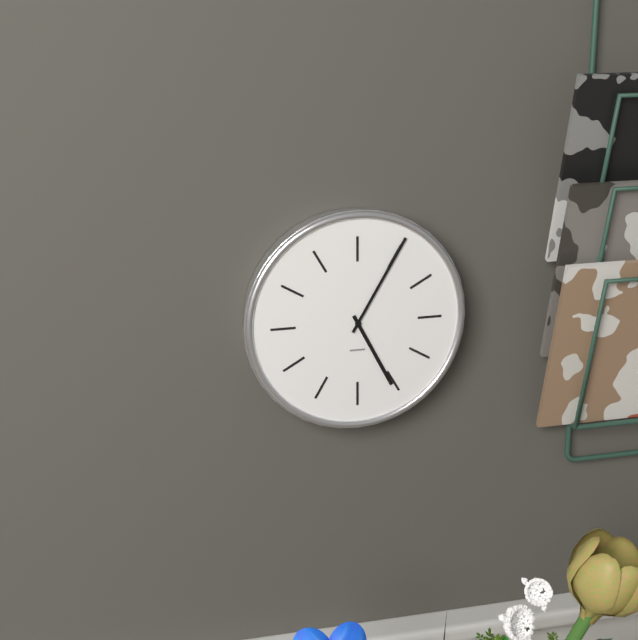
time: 5:05
